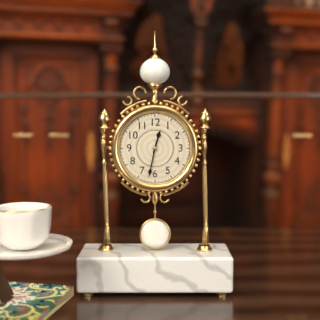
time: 12:32
